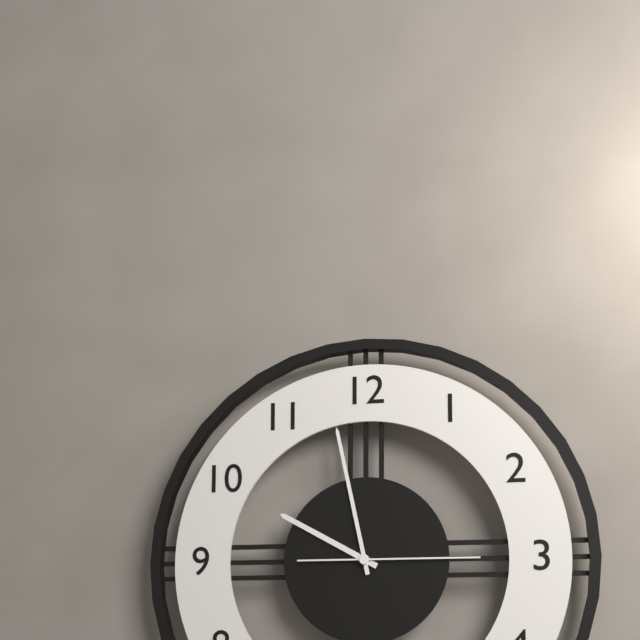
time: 9:58:15
